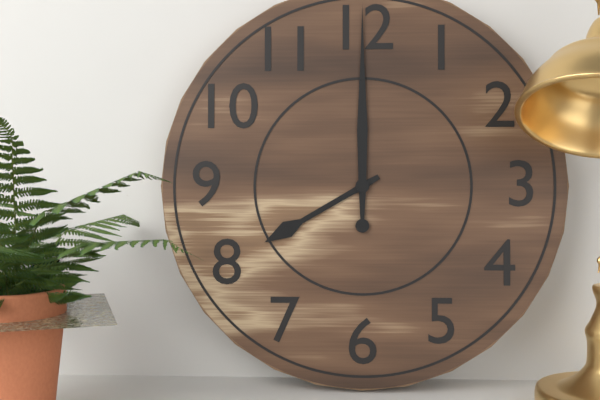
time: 8:00
